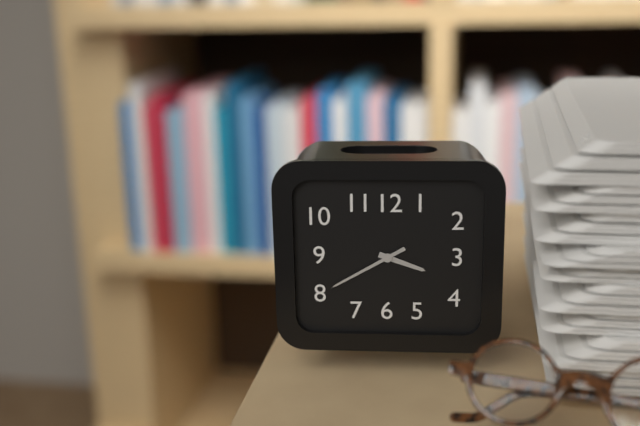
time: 3:40
